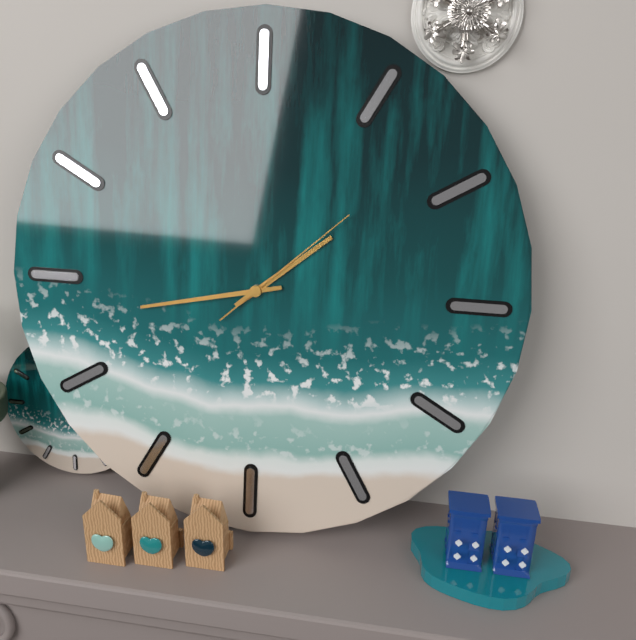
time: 1:43:08
